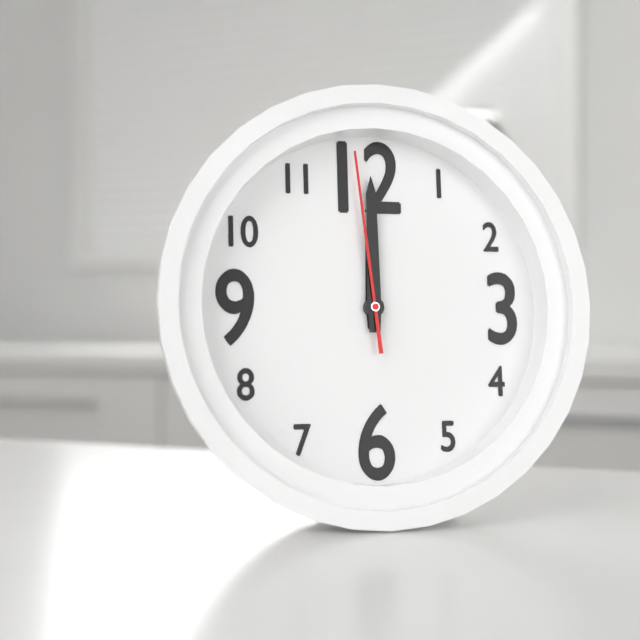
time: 12:00:59
